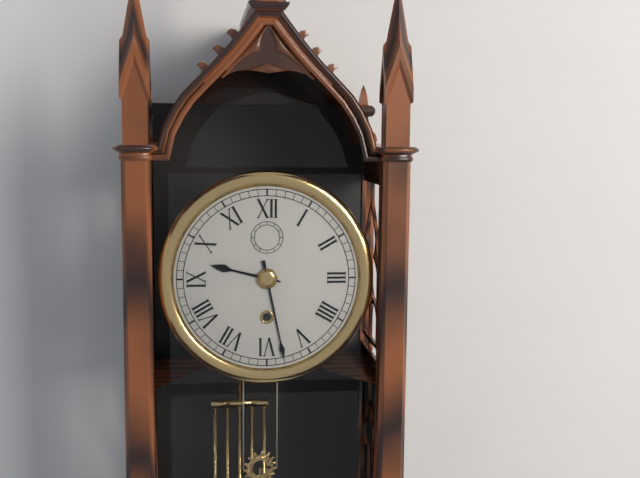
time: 9:28
